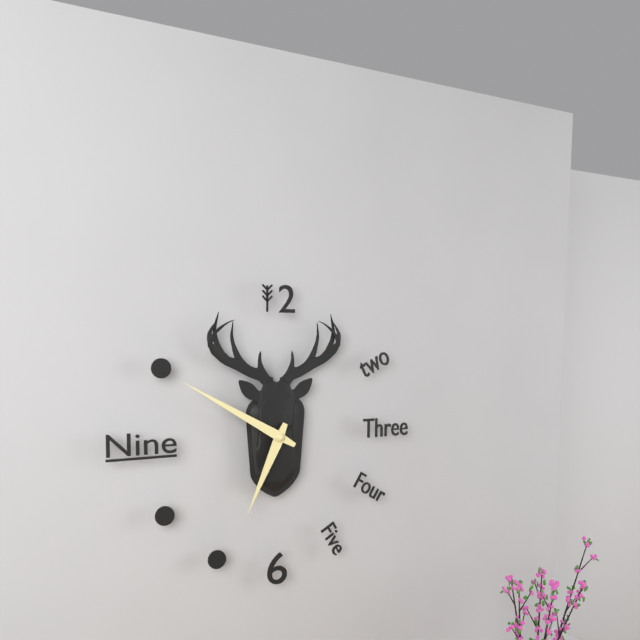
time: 6:50
